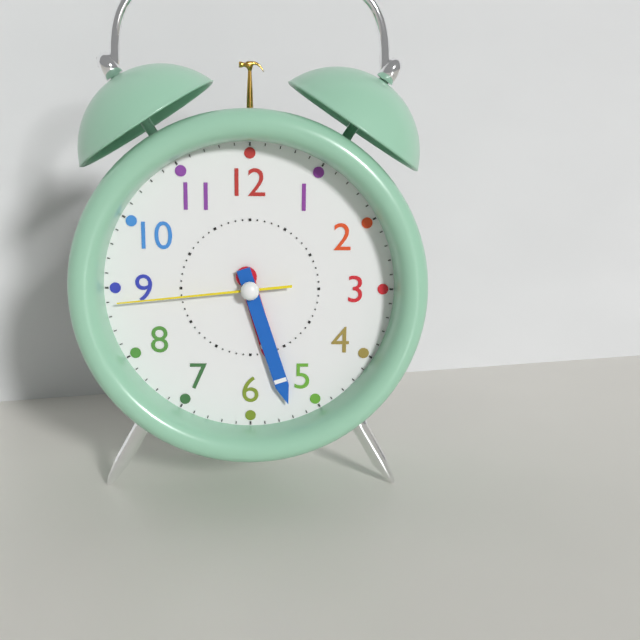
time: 5:27:44
